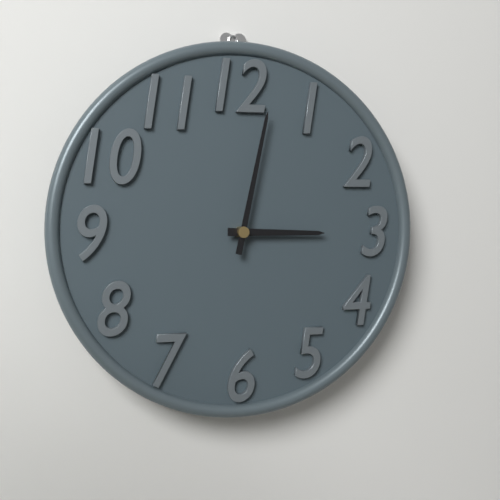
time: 3:02
